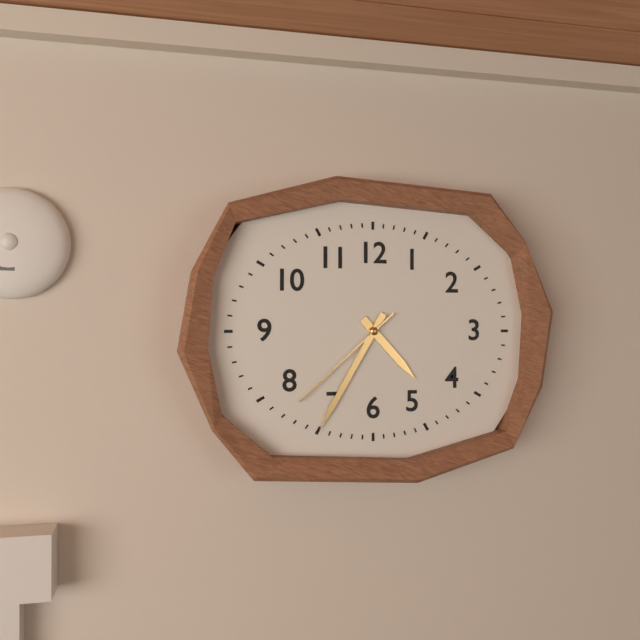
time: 4:35:38
